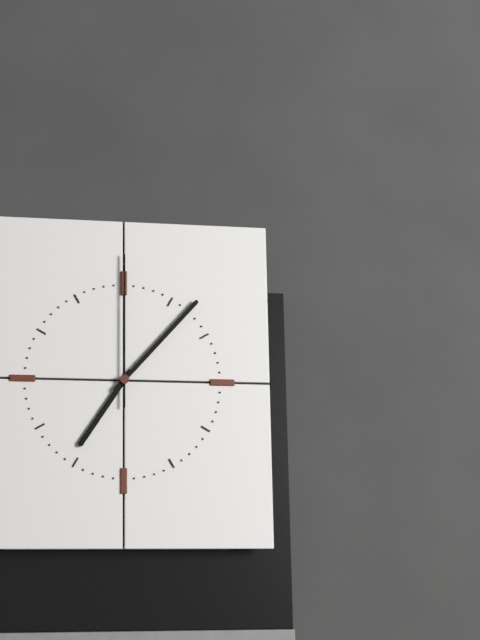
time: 7:07:00
